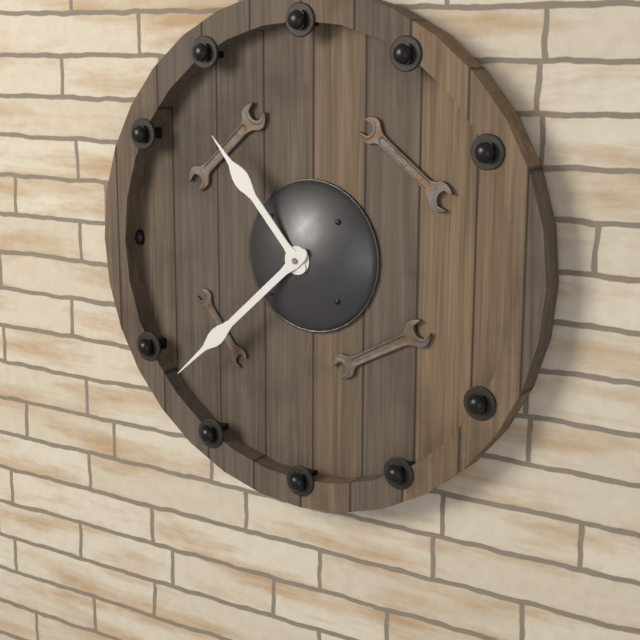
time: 10:38
